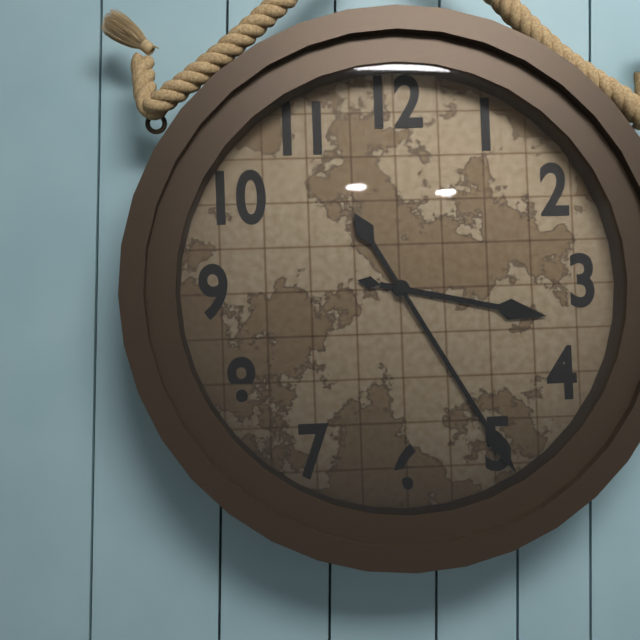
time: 3:25
